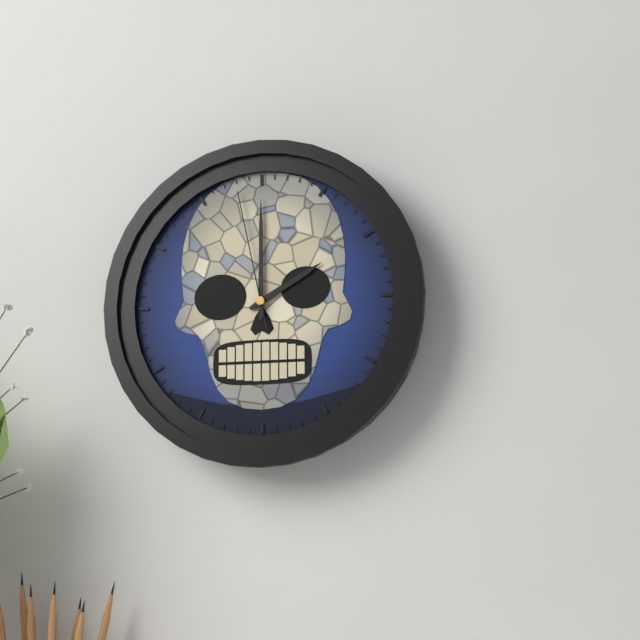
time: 2:00:58
